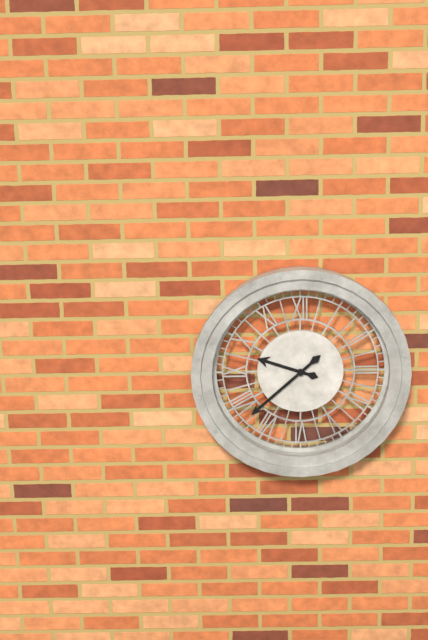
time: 9:38
